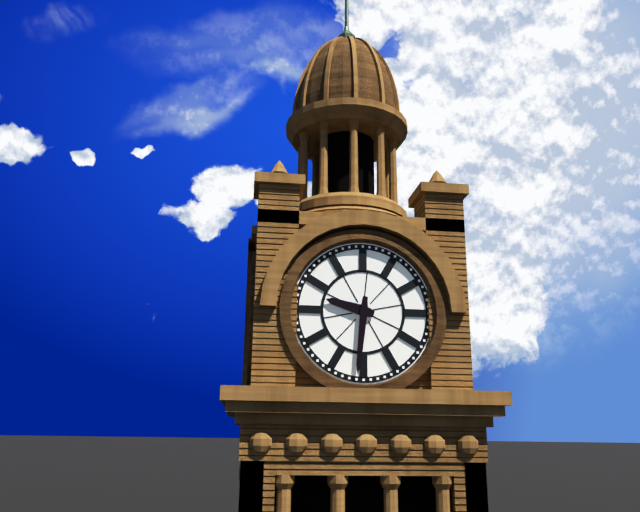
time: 9:31
